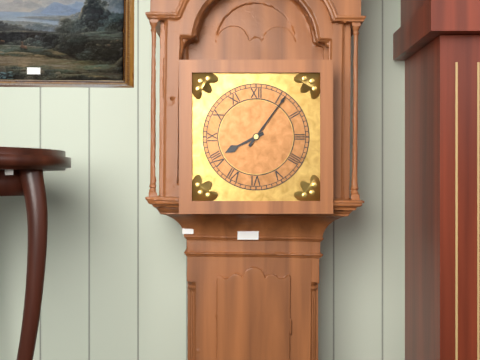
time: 8:06
